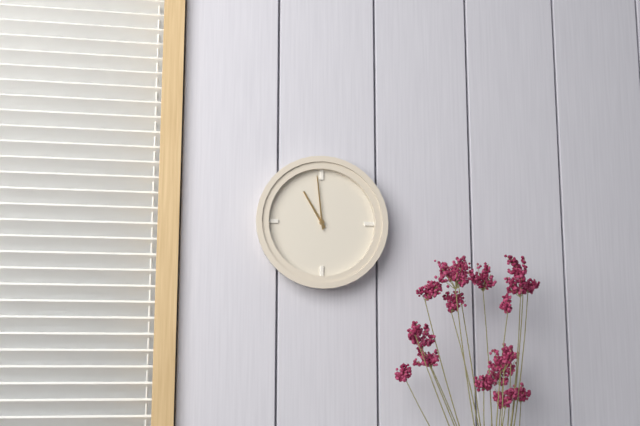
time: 10:59
